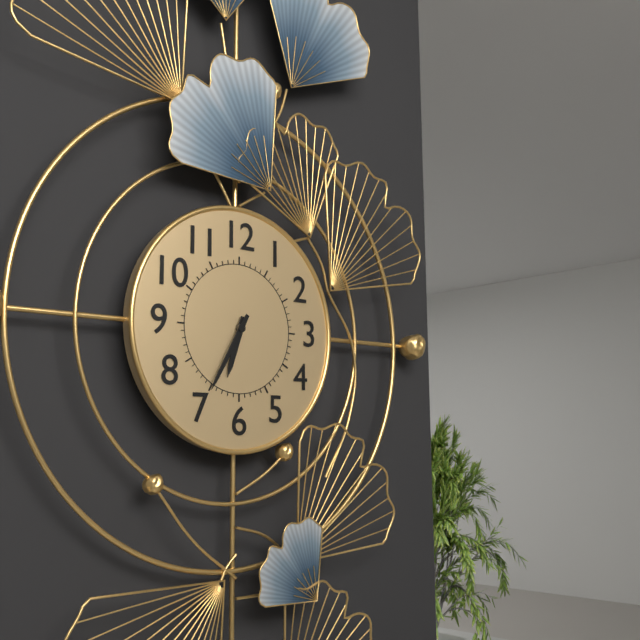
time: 6:35
